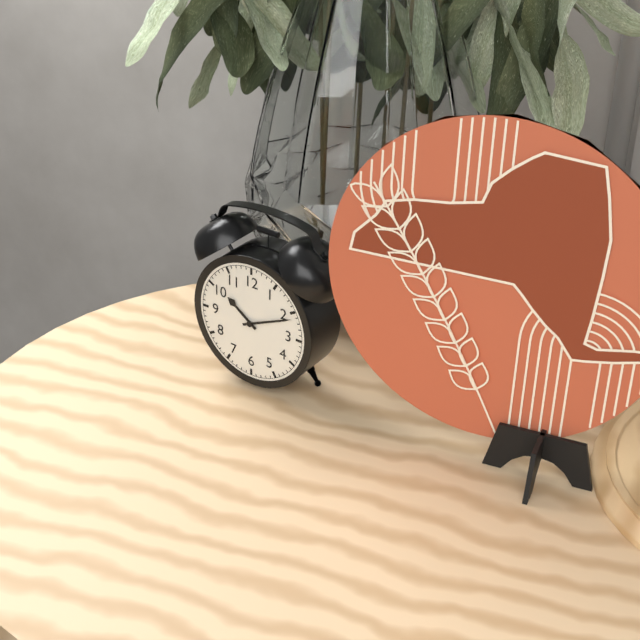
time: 10:11
